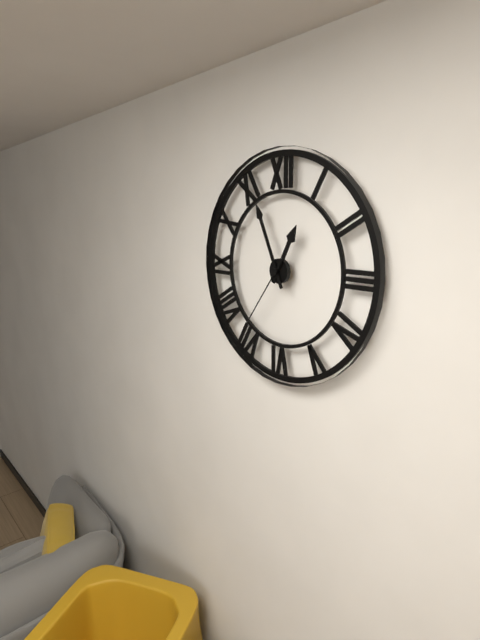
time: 12:56:36
